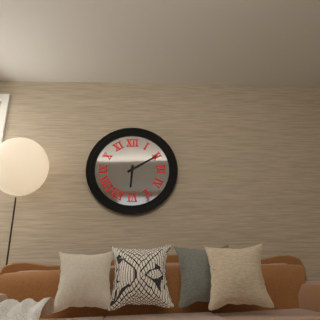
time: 6:10
